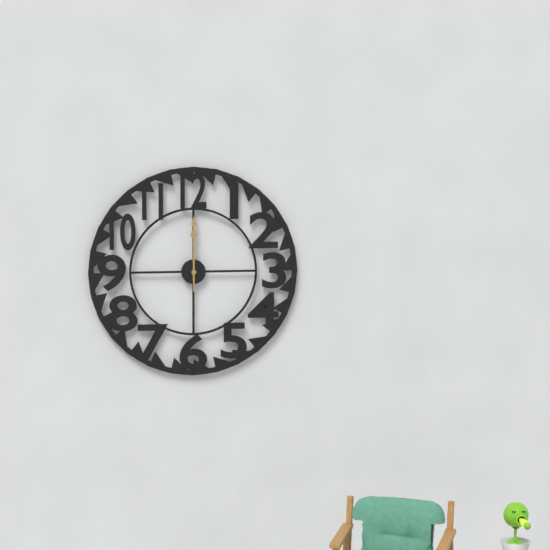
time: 12:00
